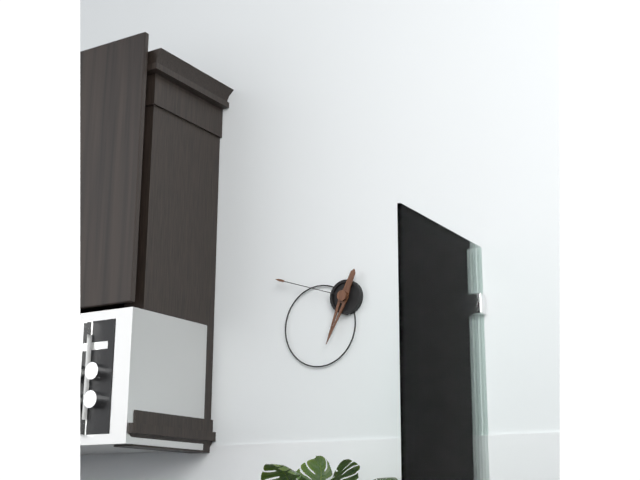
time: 6:48
